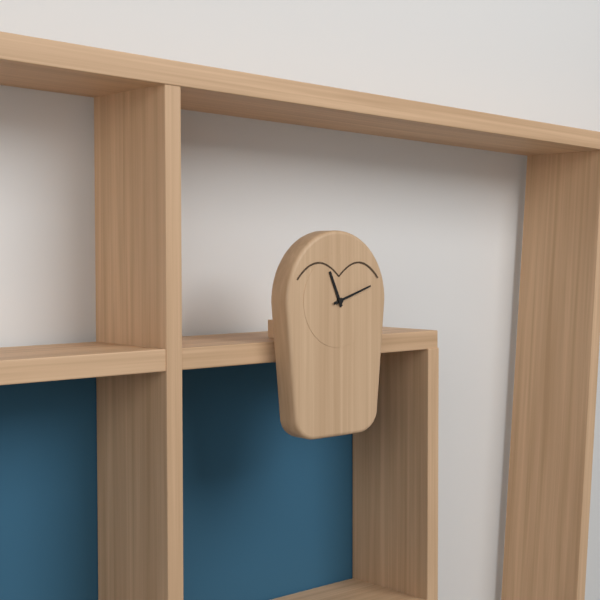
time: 11:12
